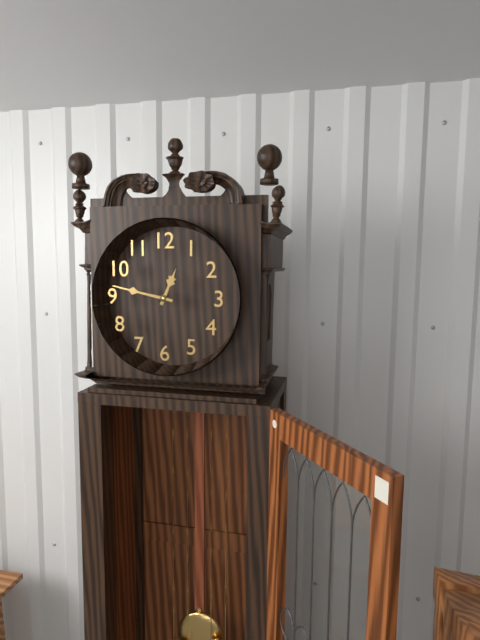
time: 12:47
